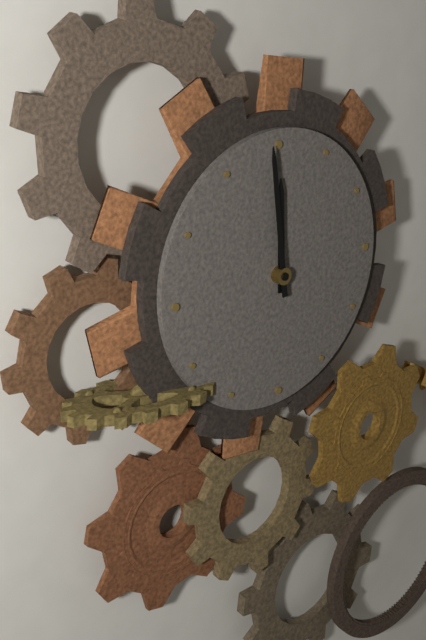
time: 11:59
